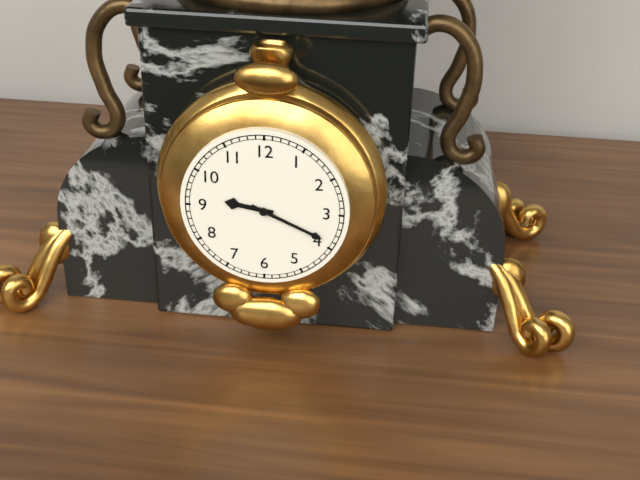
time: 9:19
